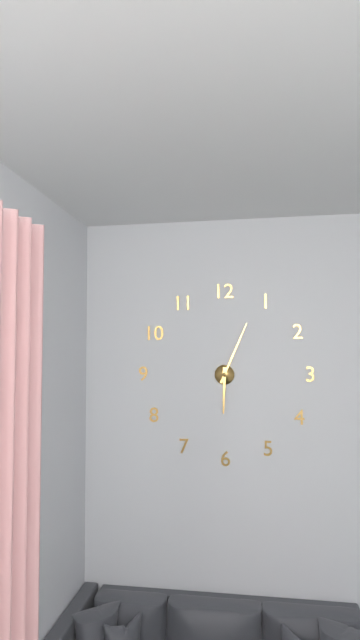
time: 6:04
